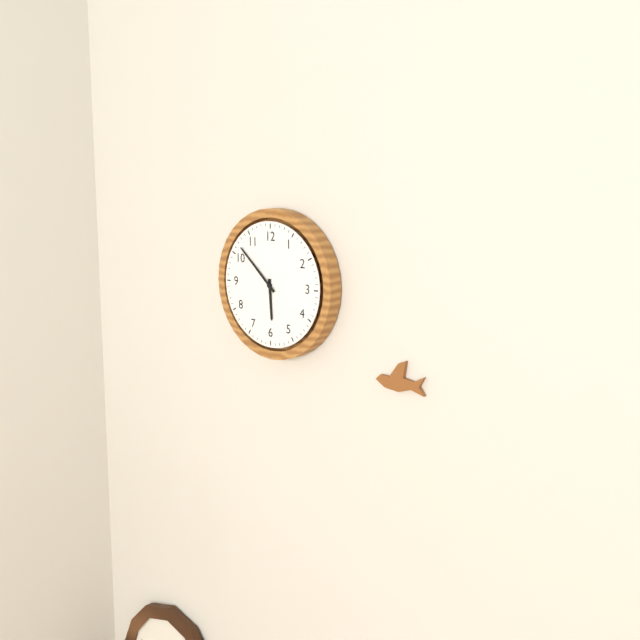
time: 5:52
